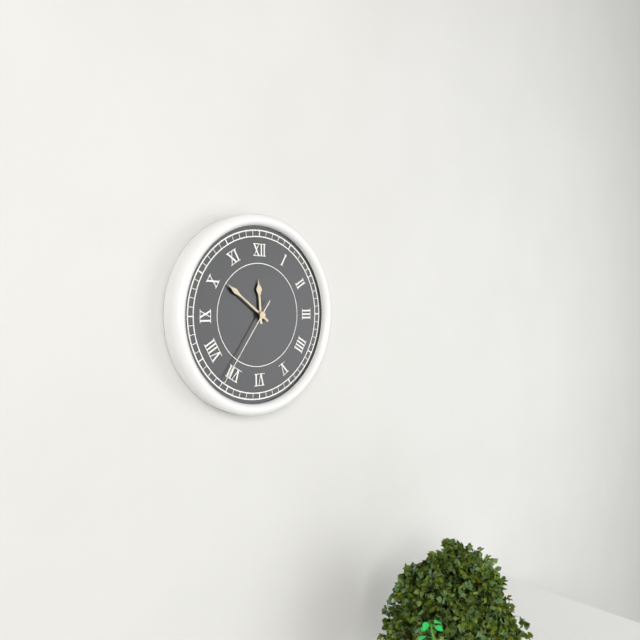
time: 11:51:36
